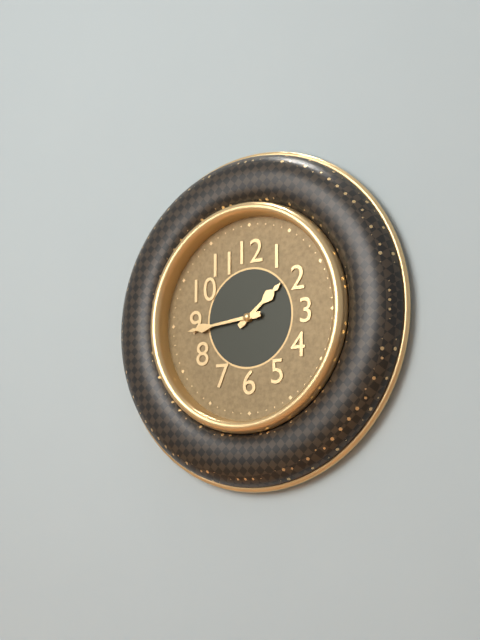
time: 1:44
